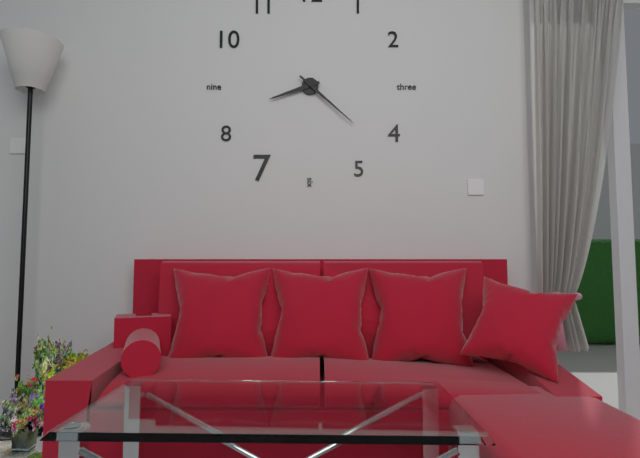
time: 8:22
